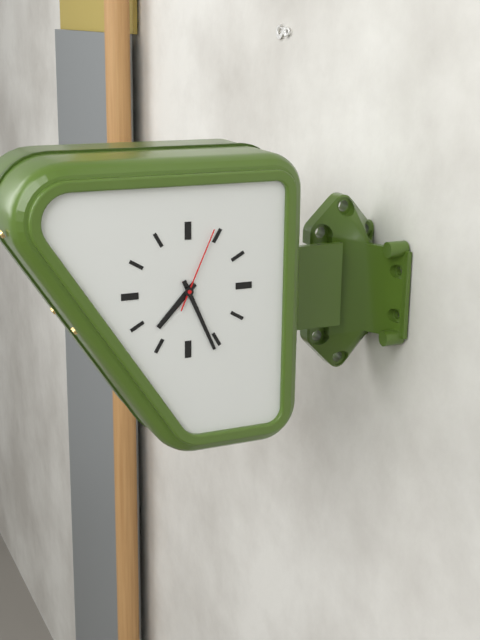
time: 7:26:04
